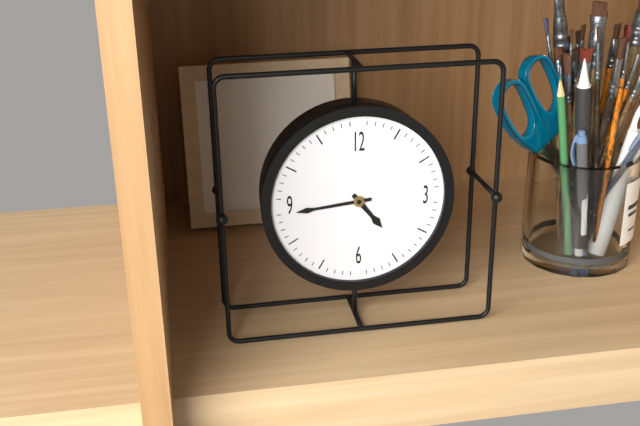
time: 4:44
